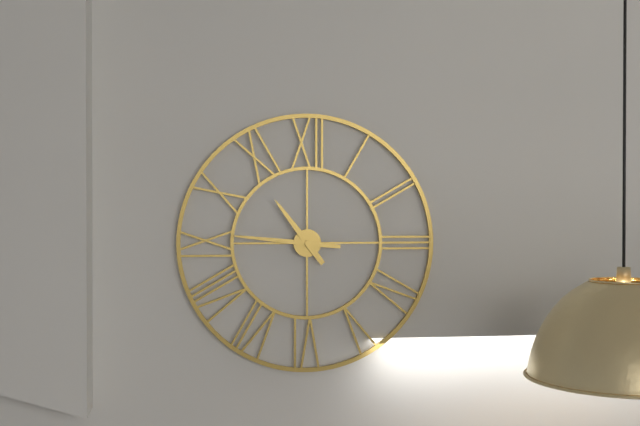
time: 10:46
